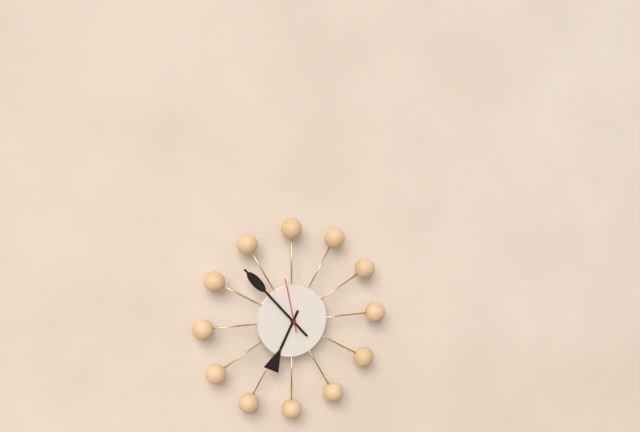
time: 6:53:58
